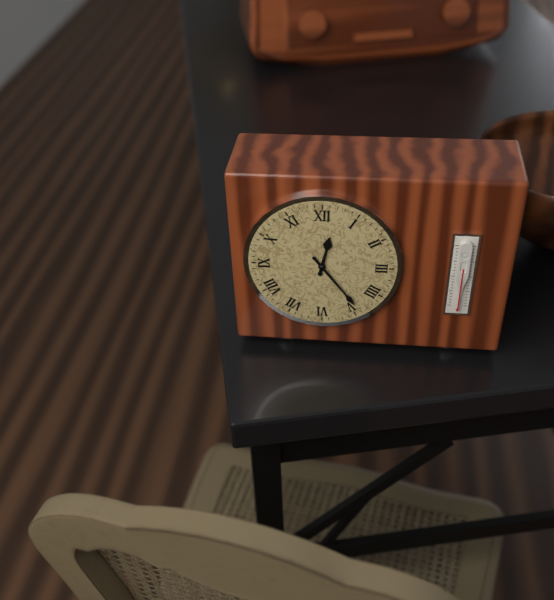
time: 12:24
